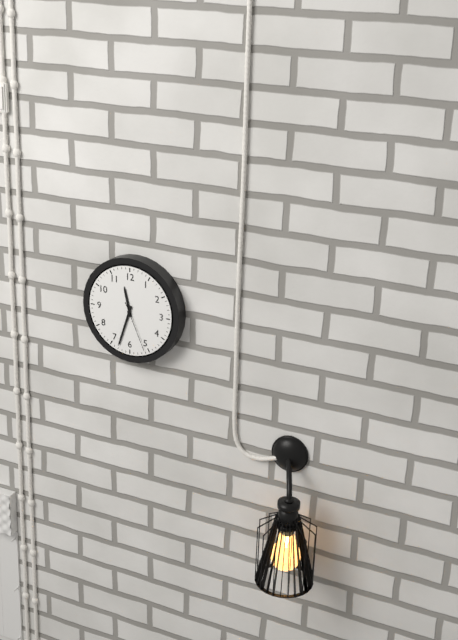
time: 11:33:26
